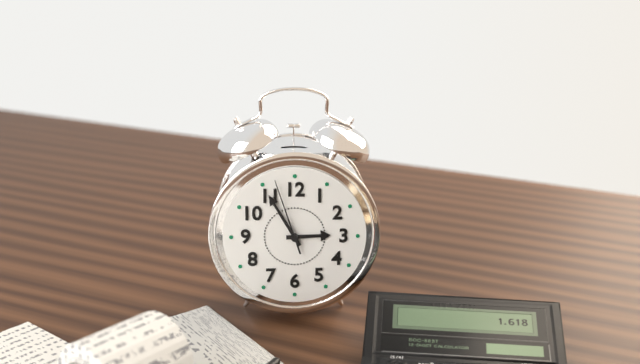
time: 2:55:57
